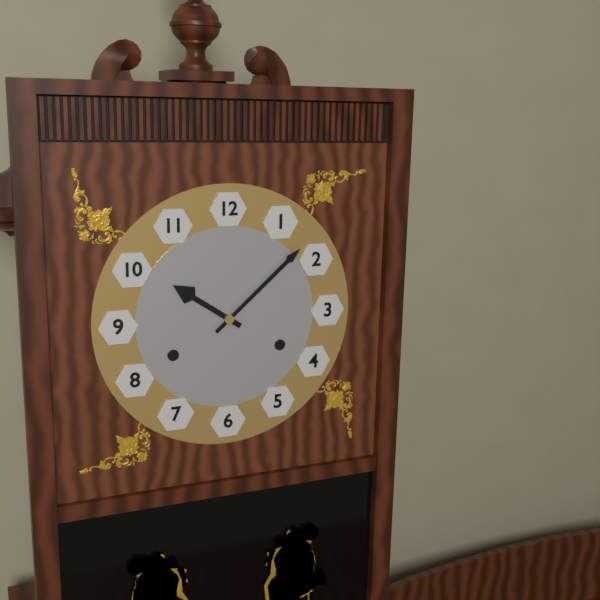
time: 10:08
